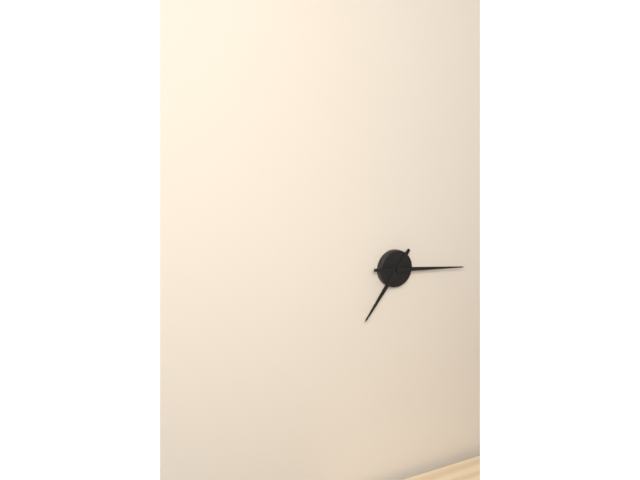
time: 7:16
